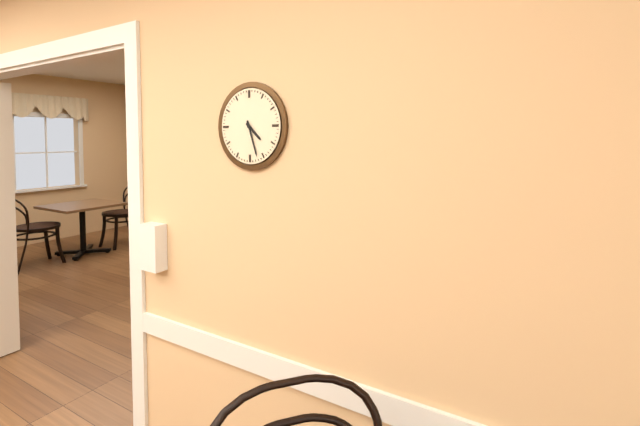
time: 4:27
